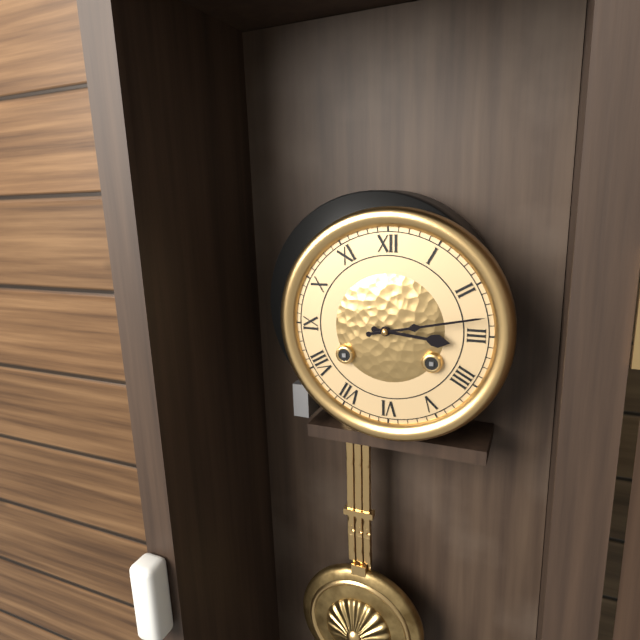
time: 3:13
